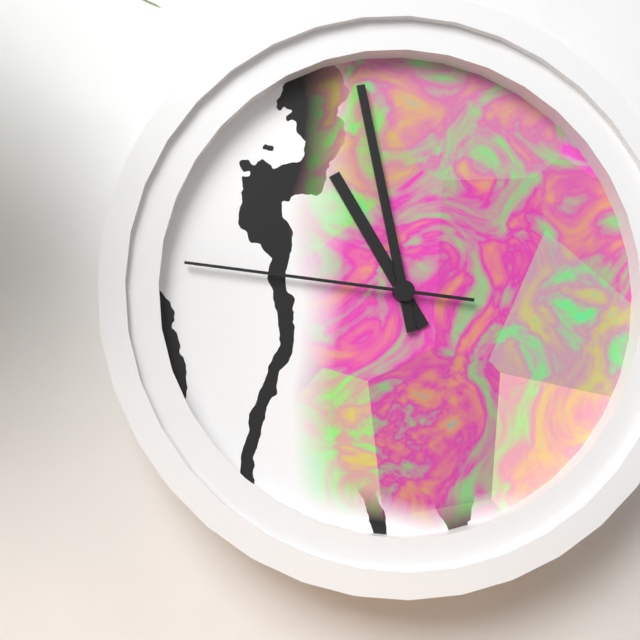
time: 10:58:46
